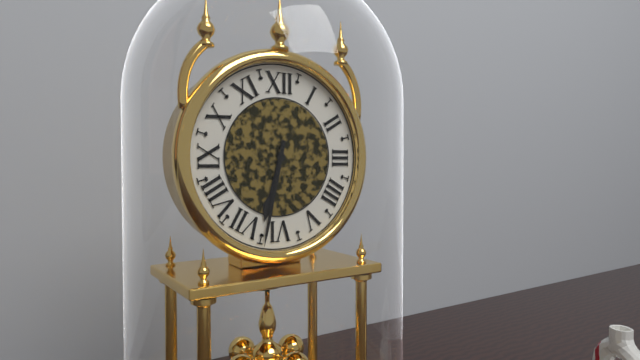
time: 6:32
